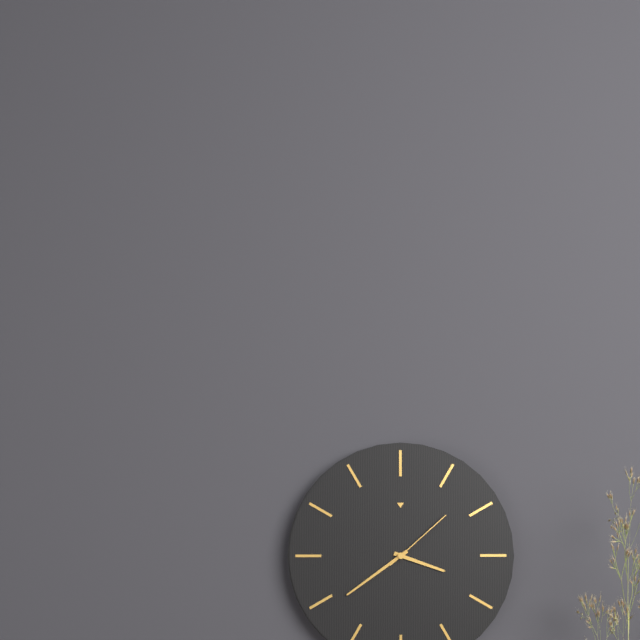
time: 3:39:08
